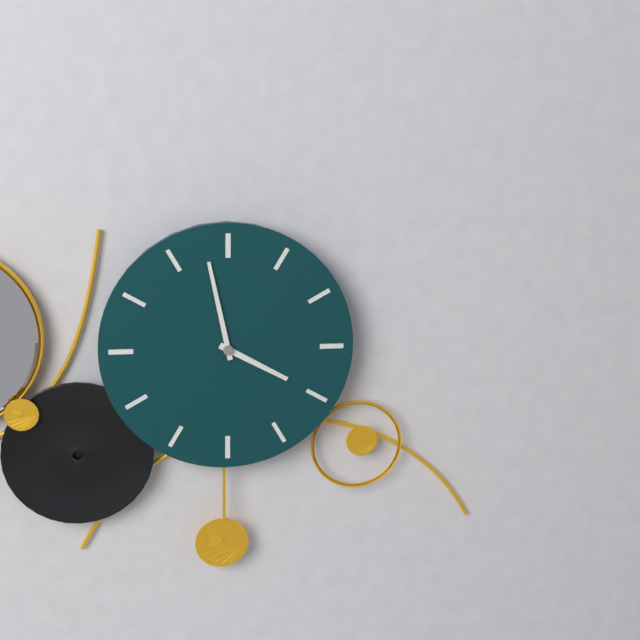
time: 3:58
